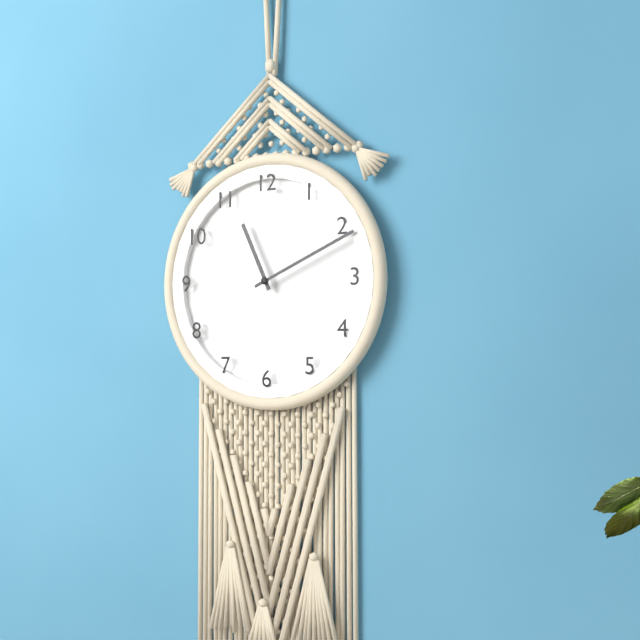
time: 11:11
